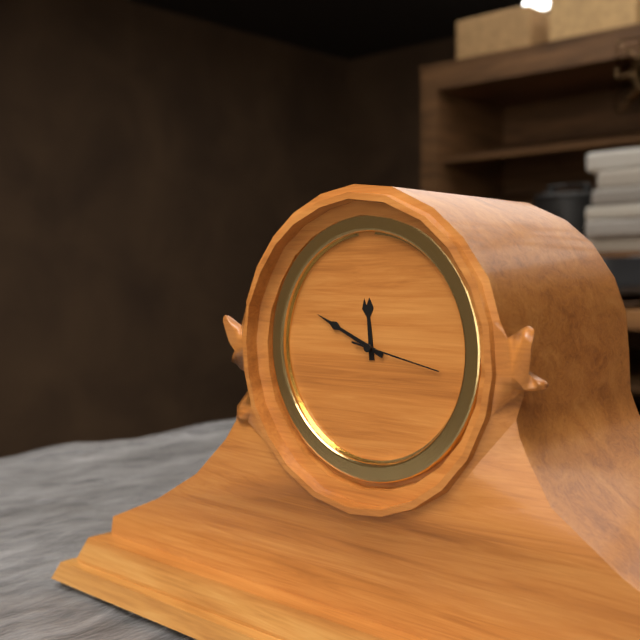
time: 11:49:17
